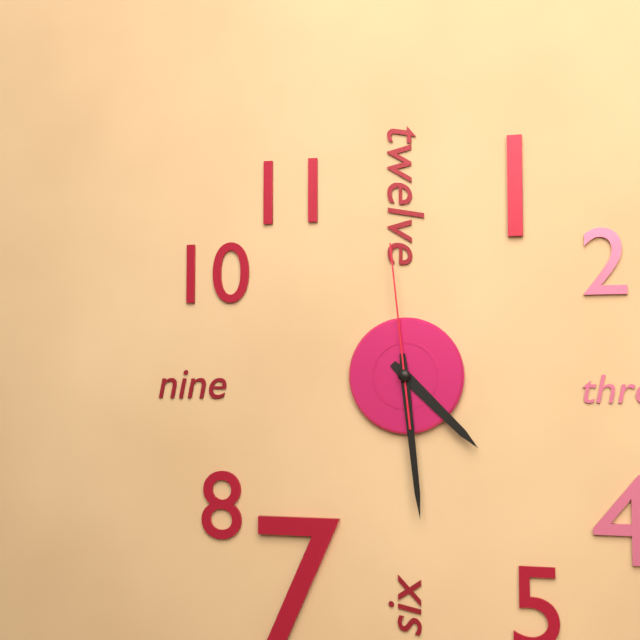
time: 4:29:59
